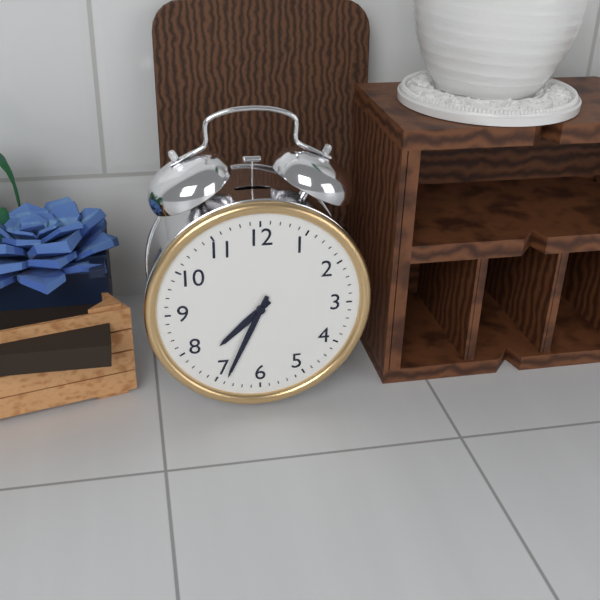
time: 7:34
